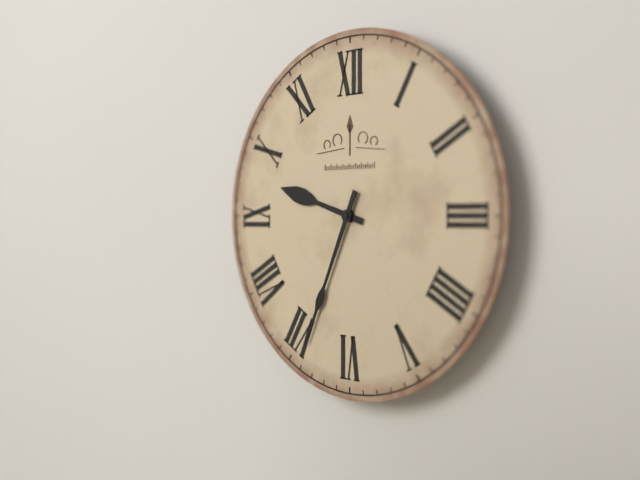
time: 9:34
